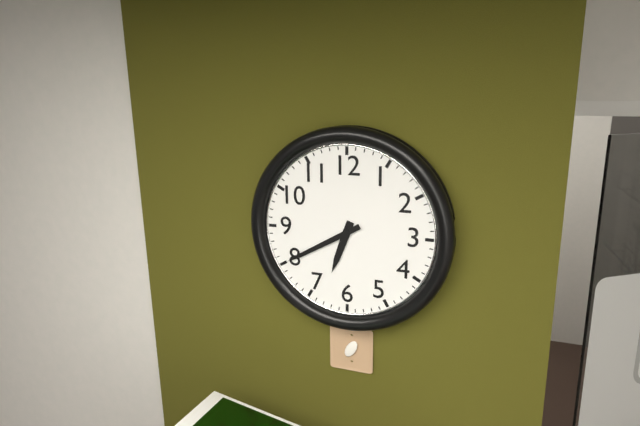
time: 6:40
